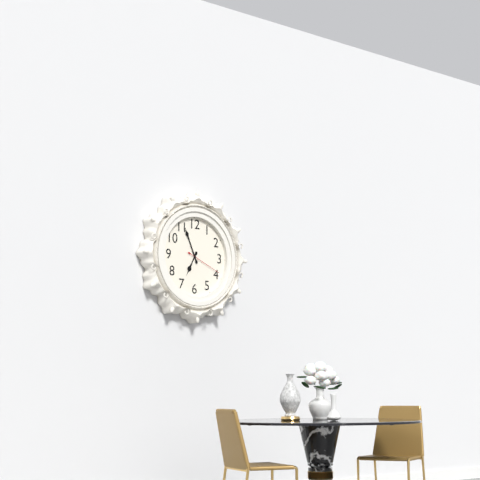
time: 6:56
